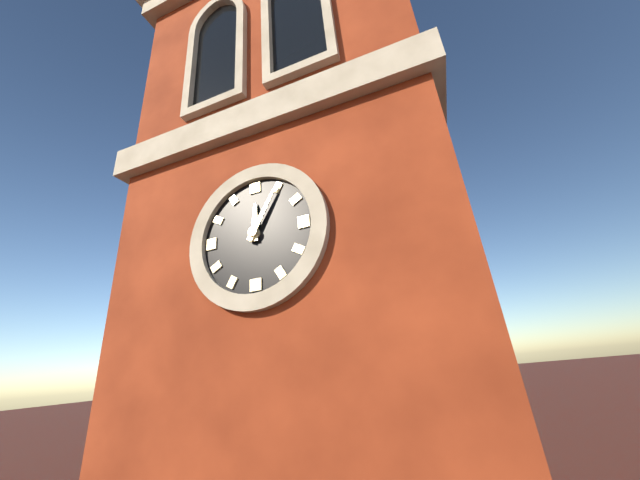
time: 12:05
